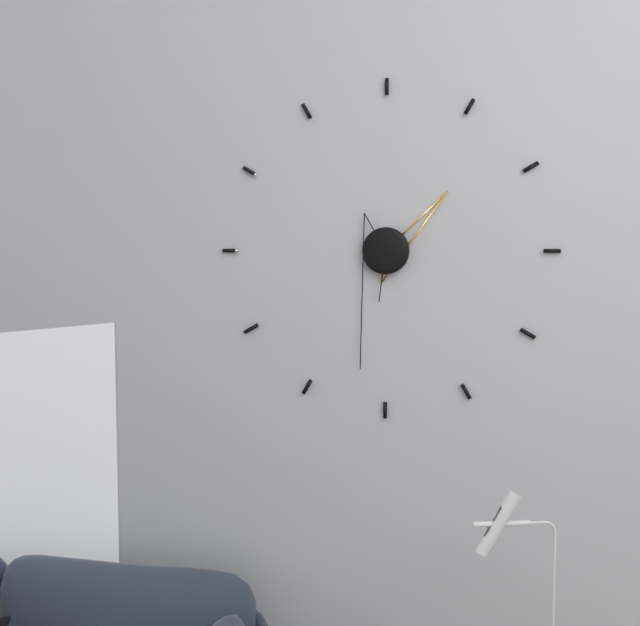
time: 1:32
